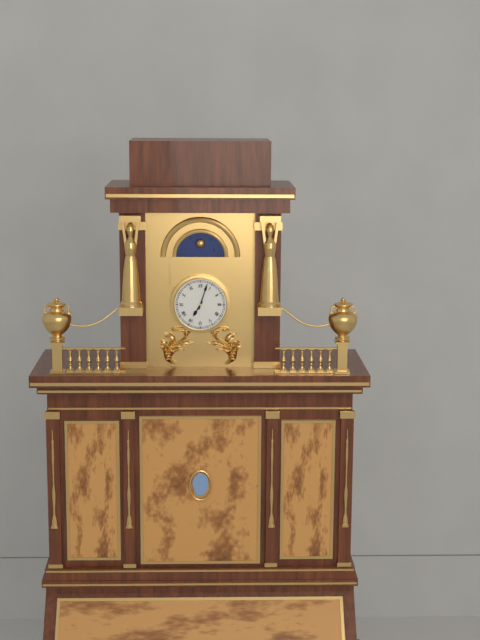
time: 7:03
